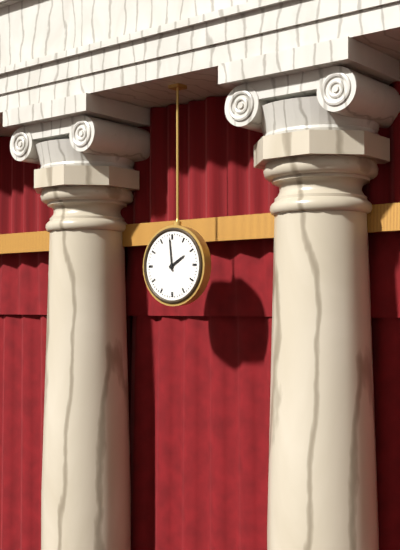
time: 1:59
